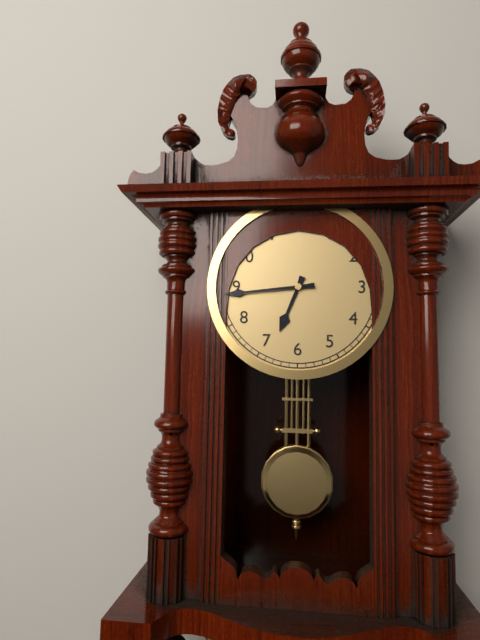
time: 6:44
